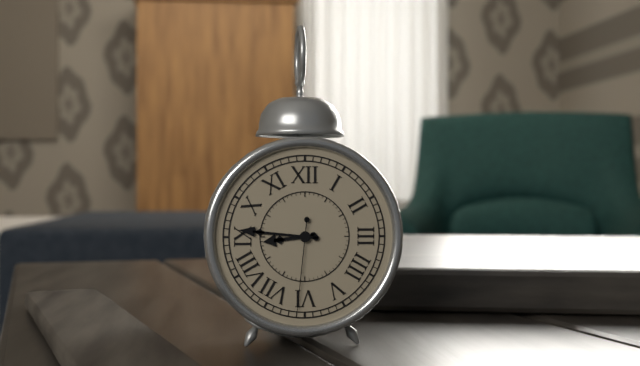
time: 8:46:31
